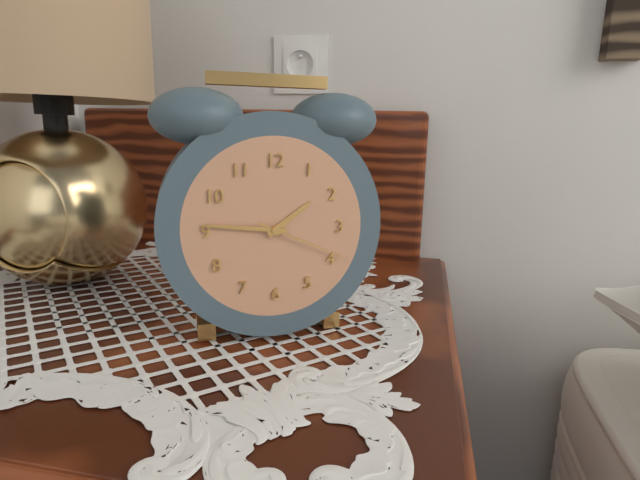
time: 1:46:19
